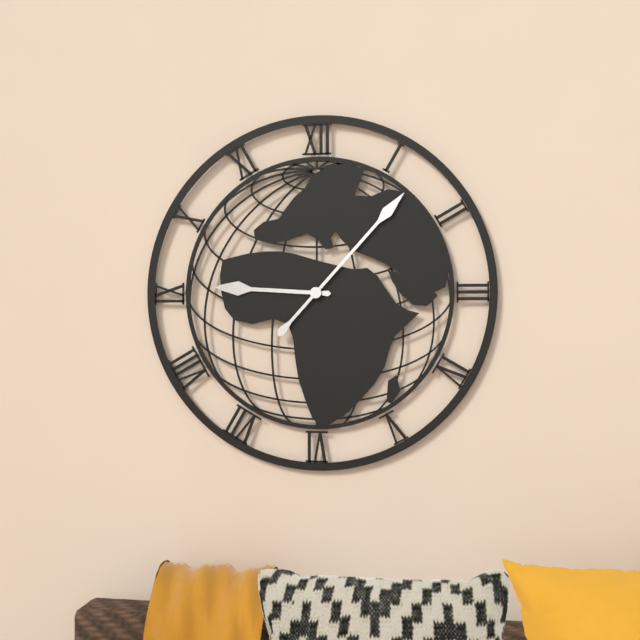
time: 9:07
